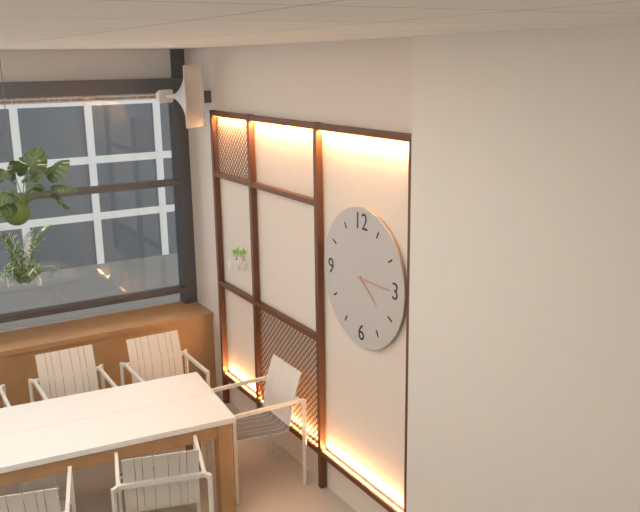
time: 4:15
